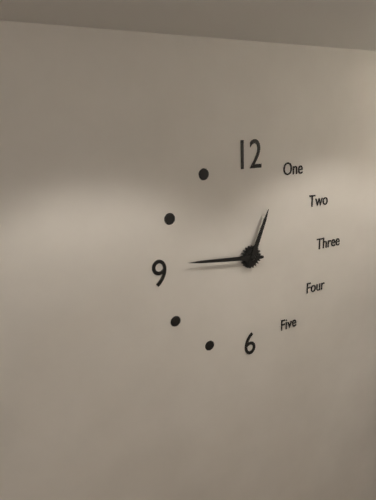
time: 12:46
